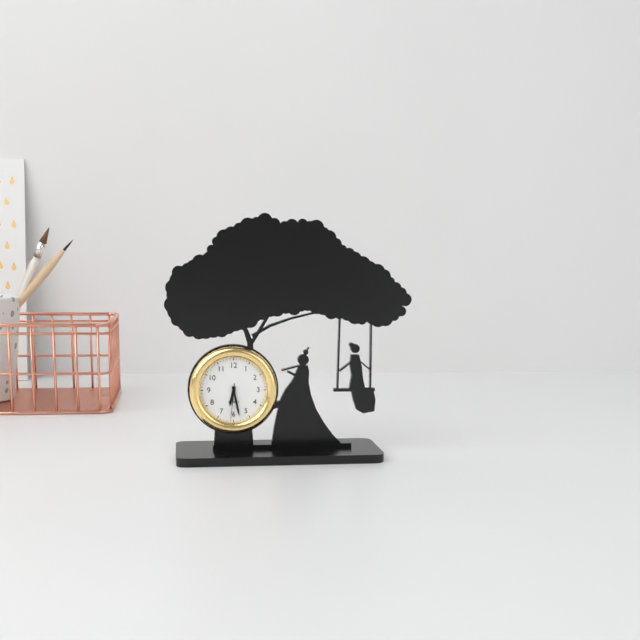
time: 6:28
